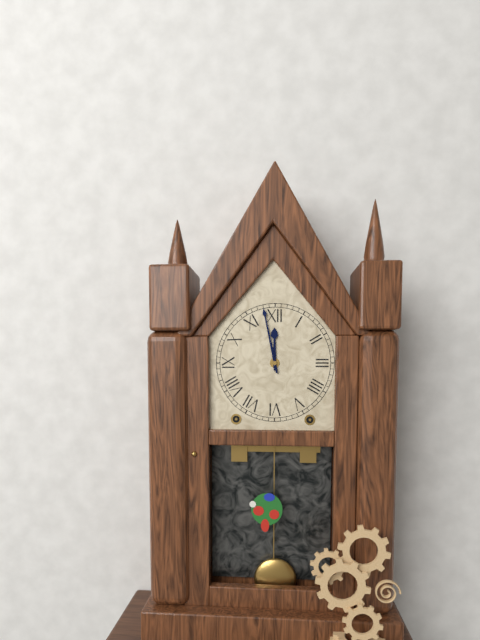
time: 11:58
